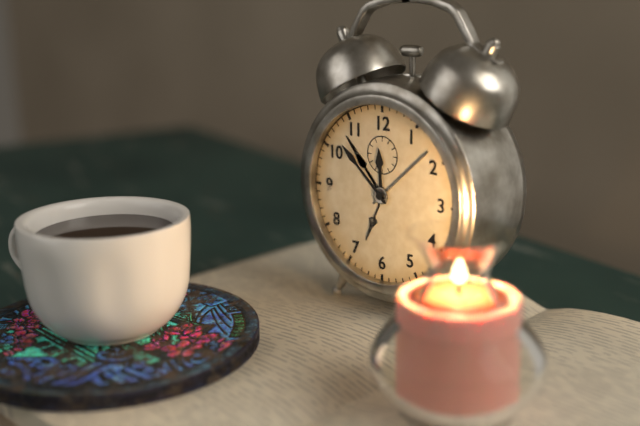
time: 11:52
